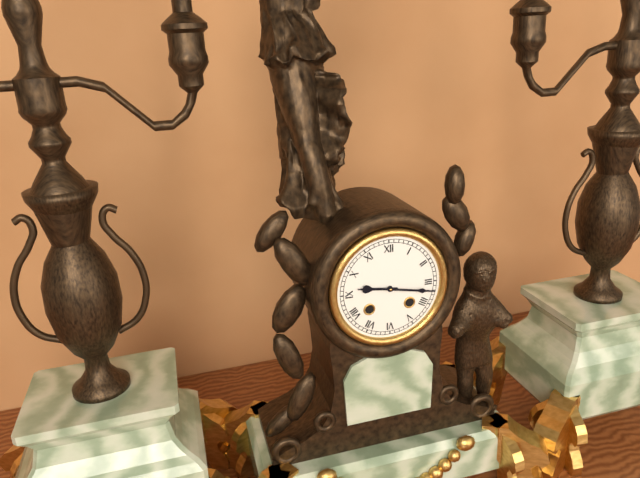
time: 9:17
